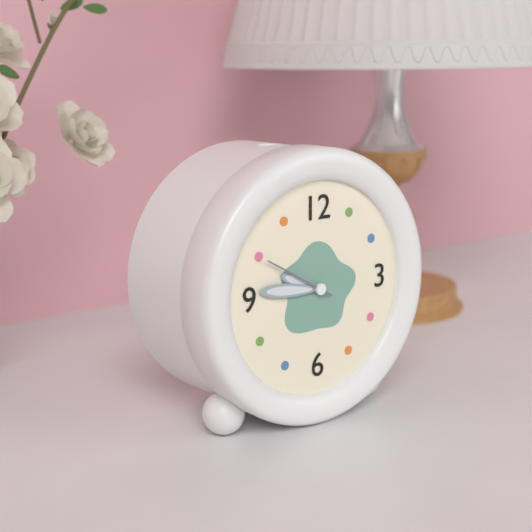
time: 9:46:50
